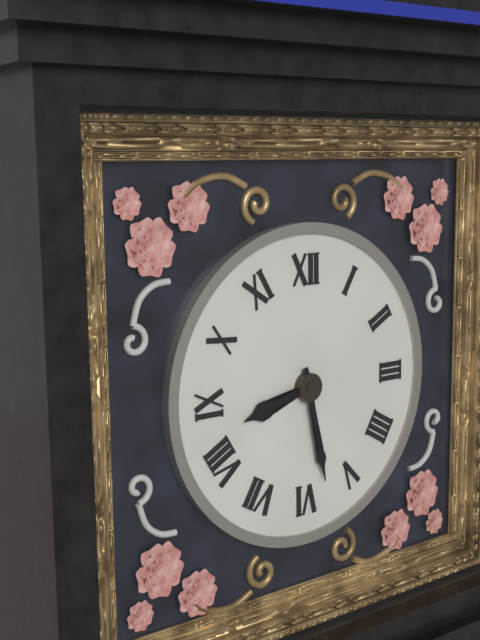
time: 8:28
